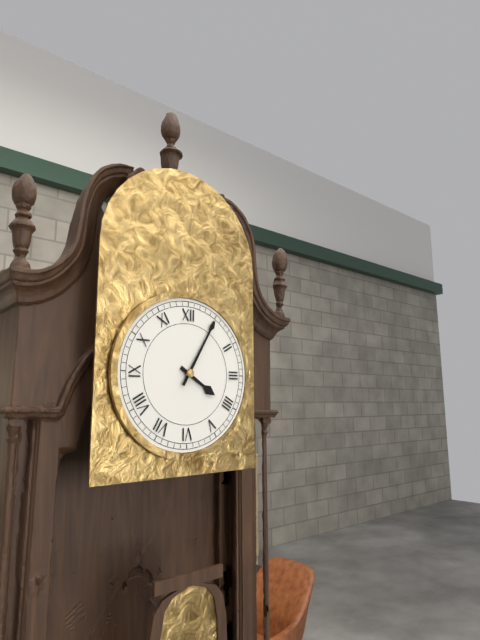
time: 4:05
